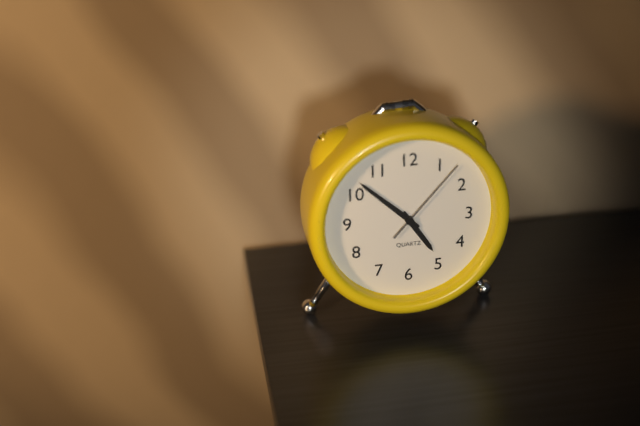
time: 4:52:07
